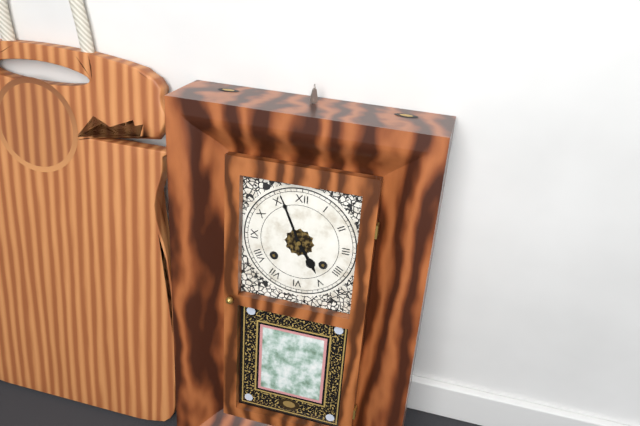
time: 4:56
